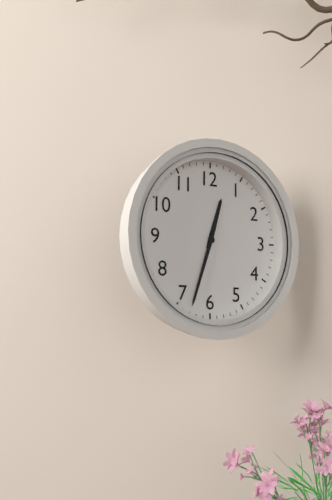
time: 12:33
